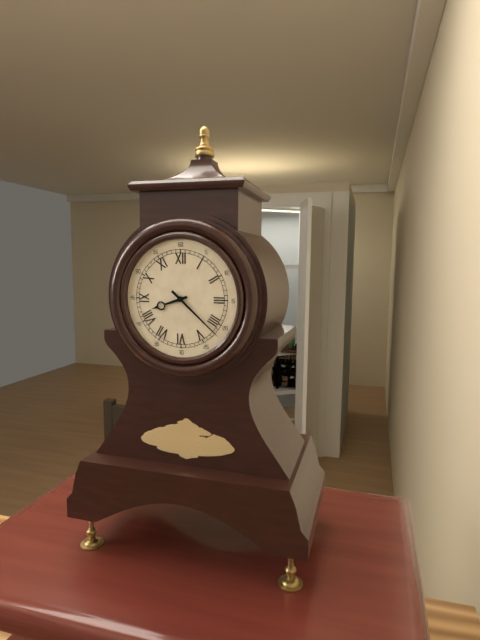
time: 8:22
